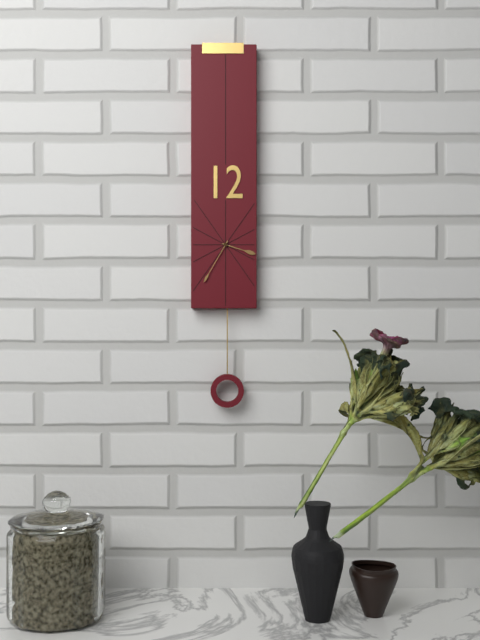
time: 3:35
